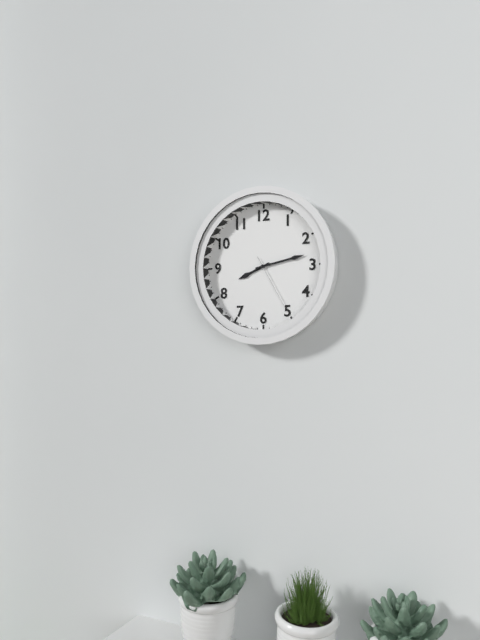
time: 8:13:25
